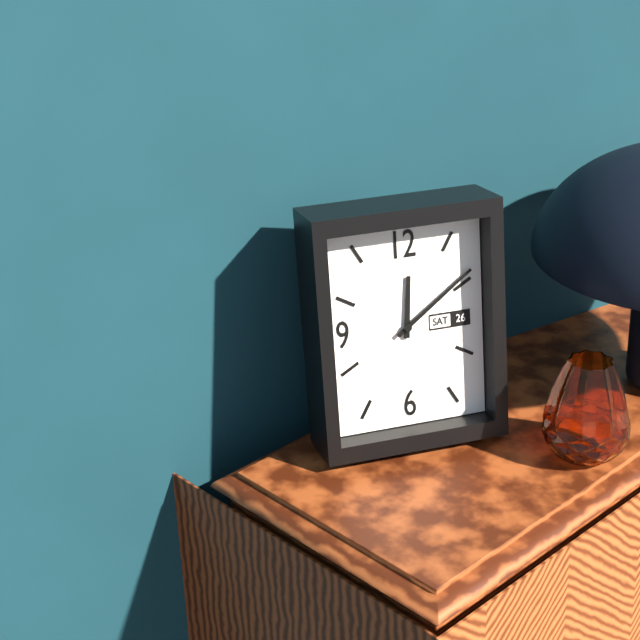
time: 12:09
